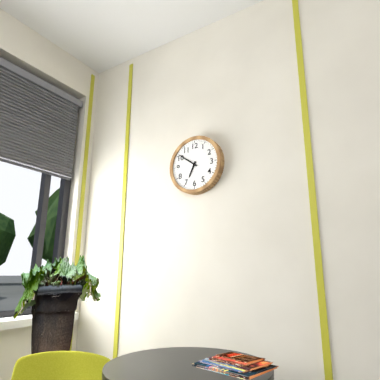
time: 6:51
